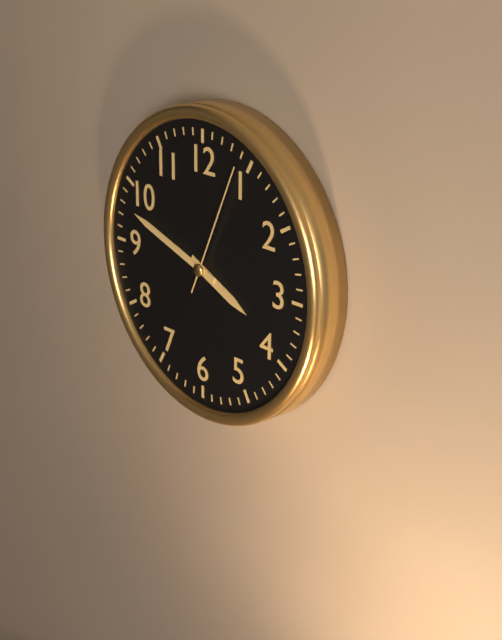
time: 3:48:04
